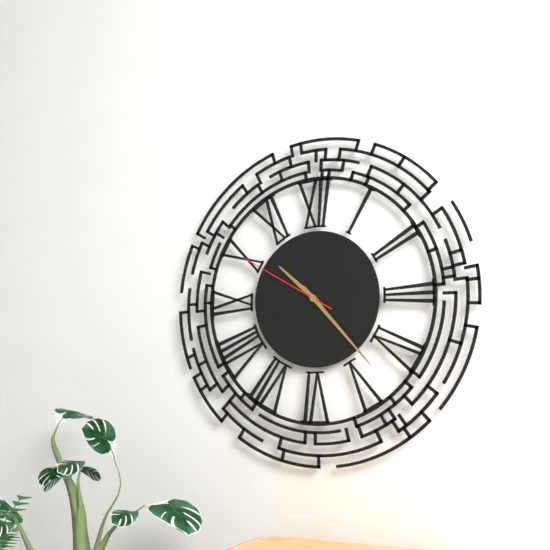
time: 10:23:50
